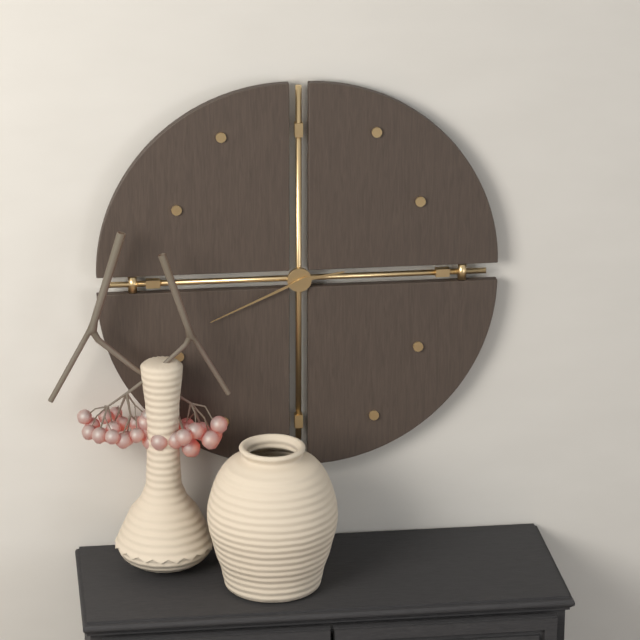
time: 2:41
